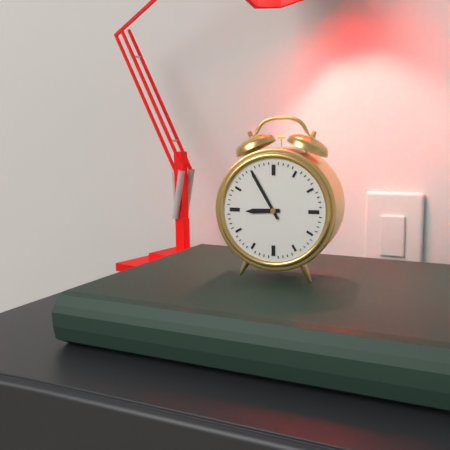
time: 8:55
